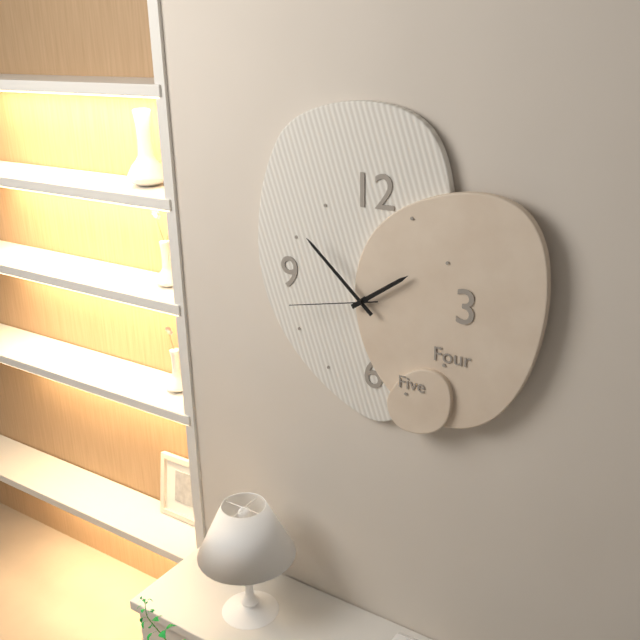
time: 1:52:43
